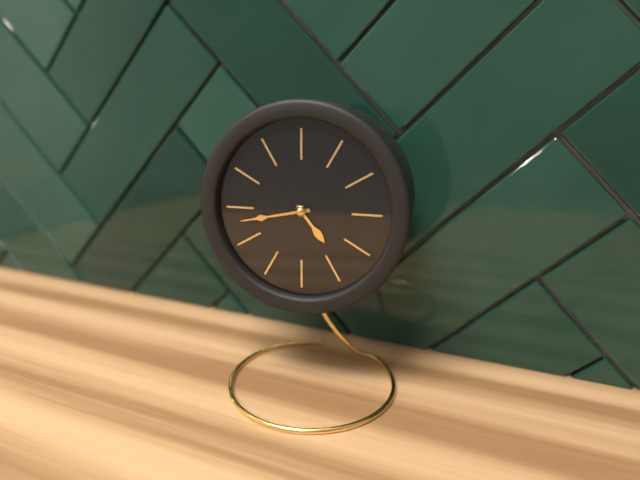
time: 4:43
